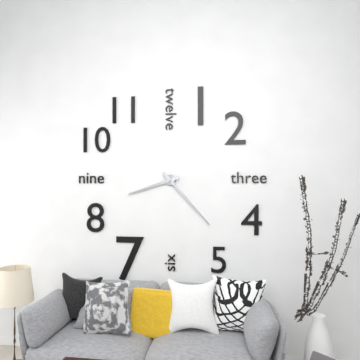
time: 8:23
